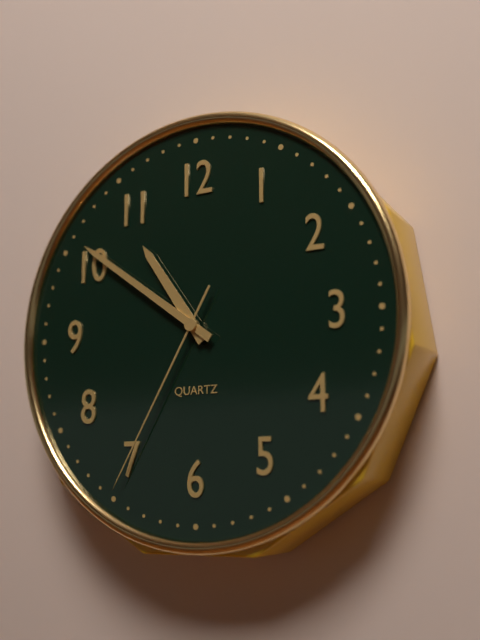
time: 10:51:35
